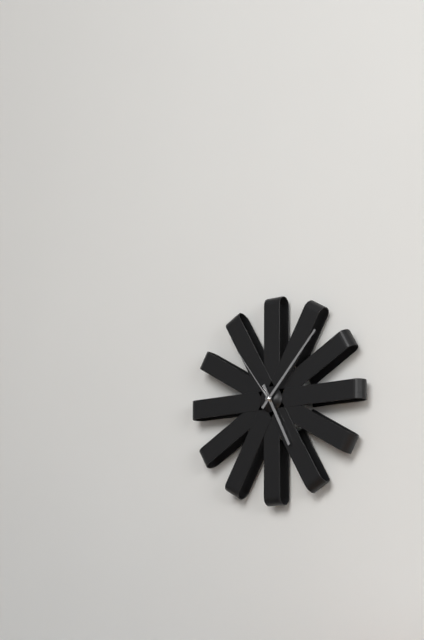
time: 5:07:54
